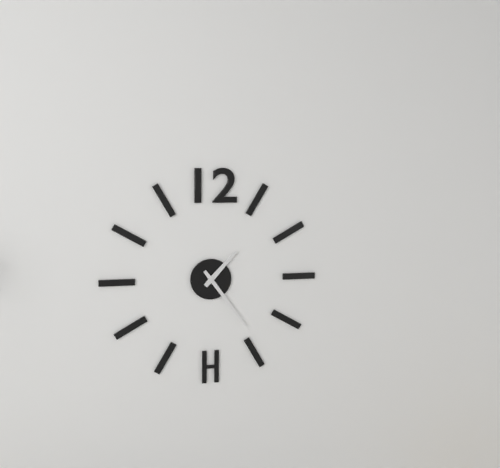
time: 1:24
